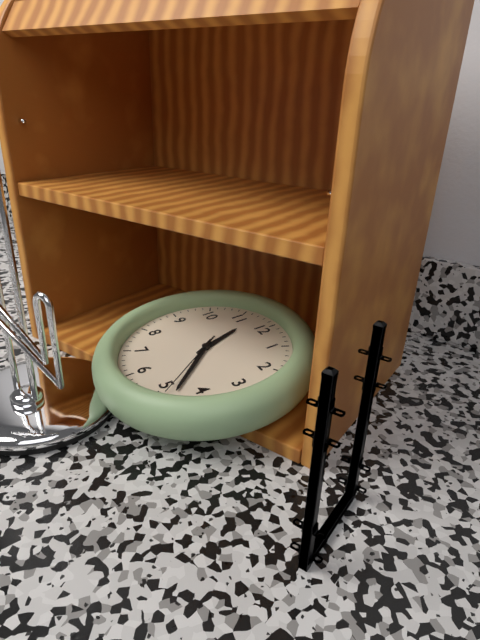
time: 11:23:24
